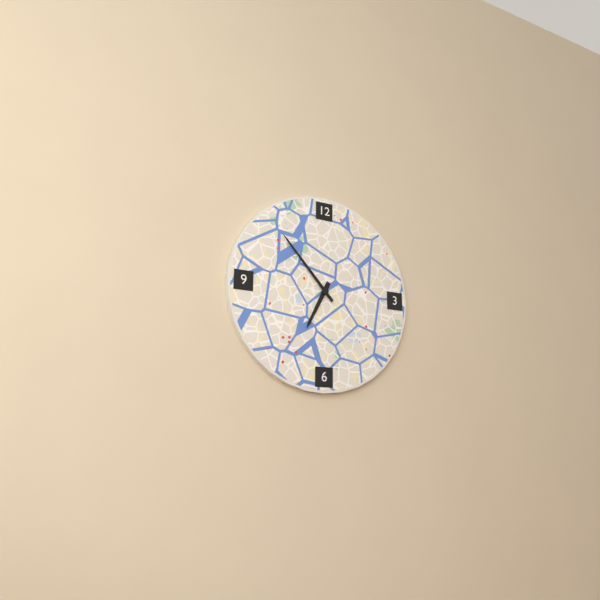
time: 6:53
